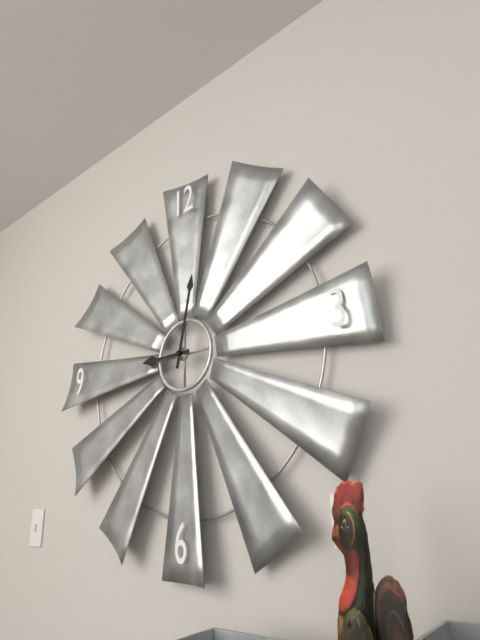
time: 9:02
